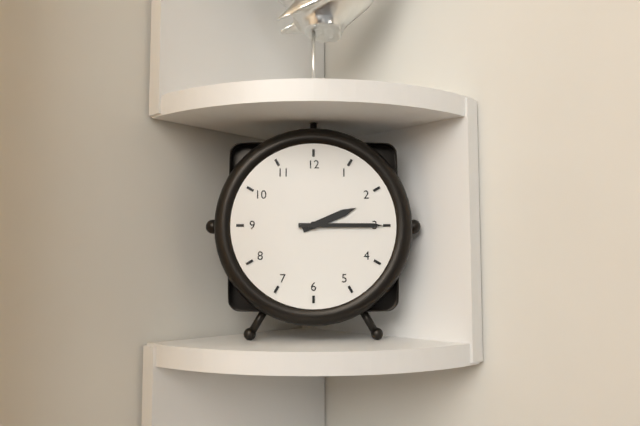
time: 2:15
